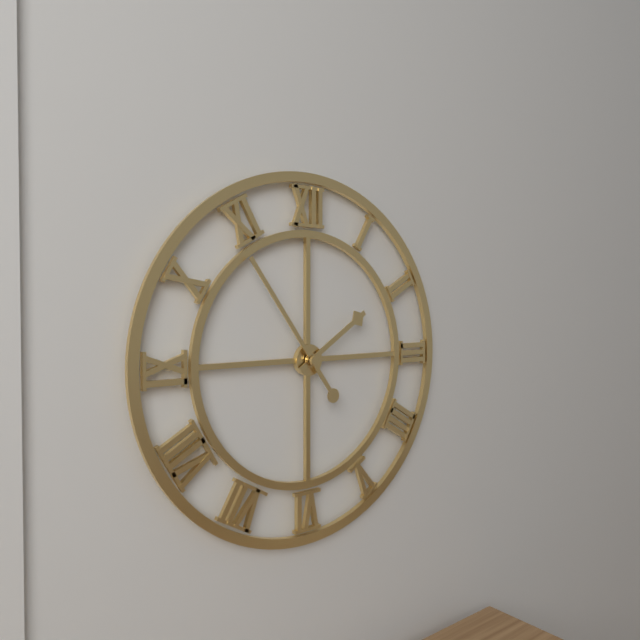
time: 1:54
